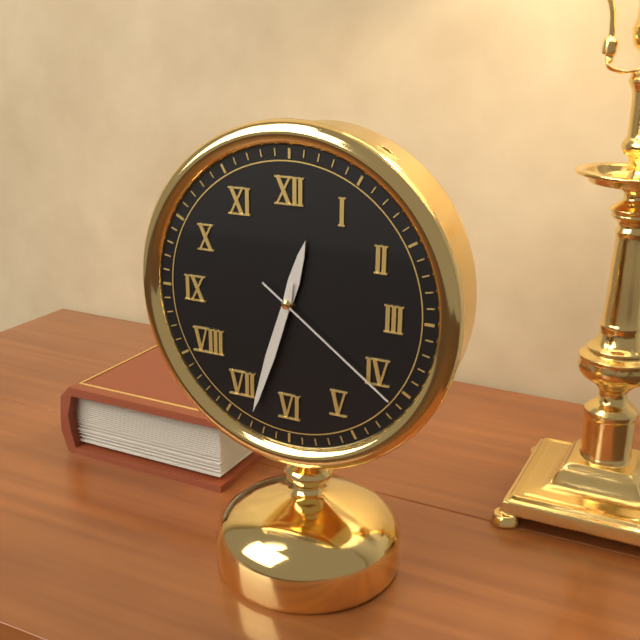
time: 12:33:21
